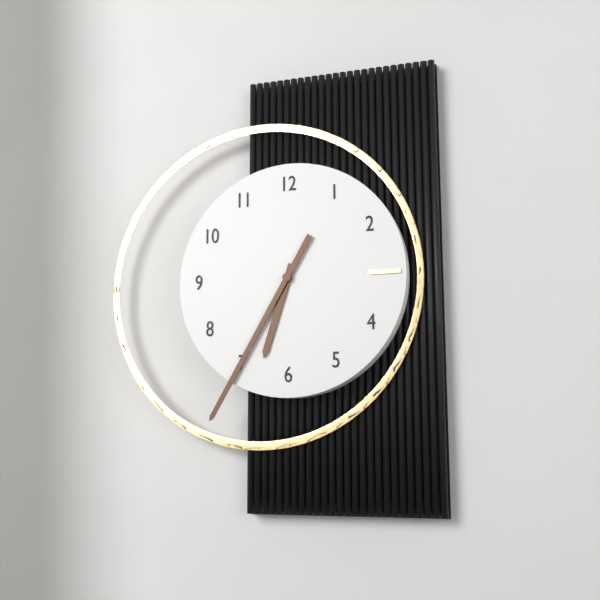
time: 6:35
